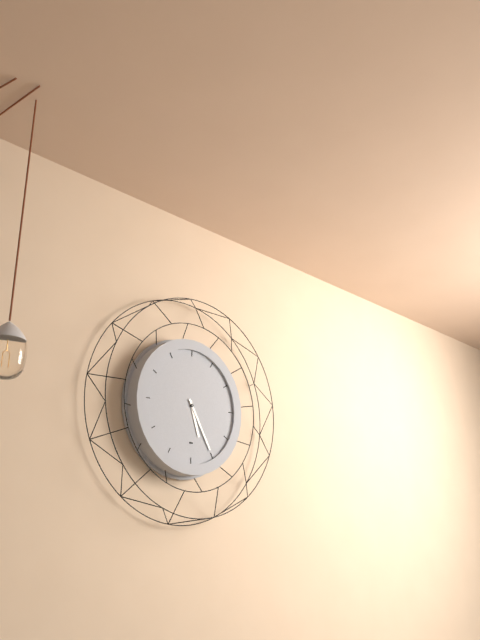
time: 5:25
